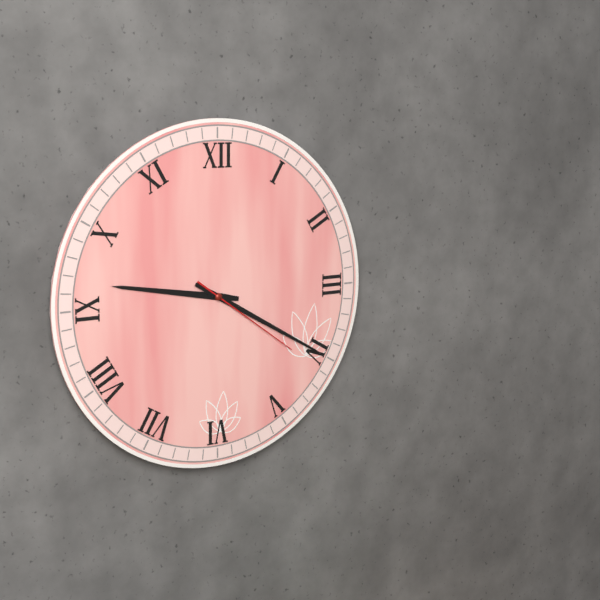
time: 9:20:21
